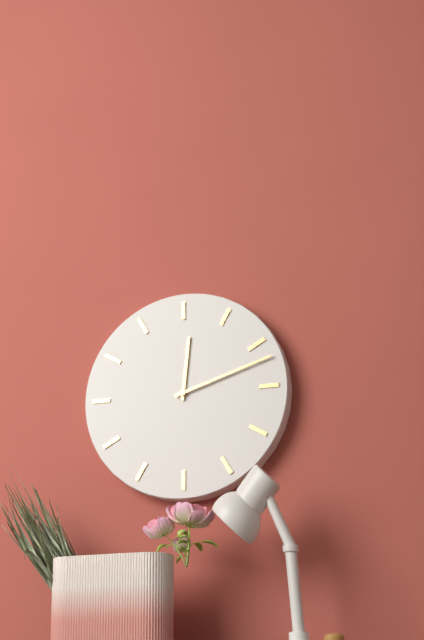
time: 12:12
